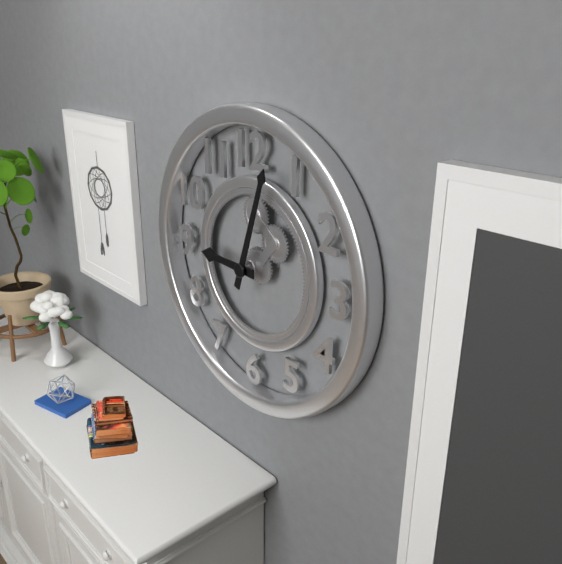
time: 9:03
